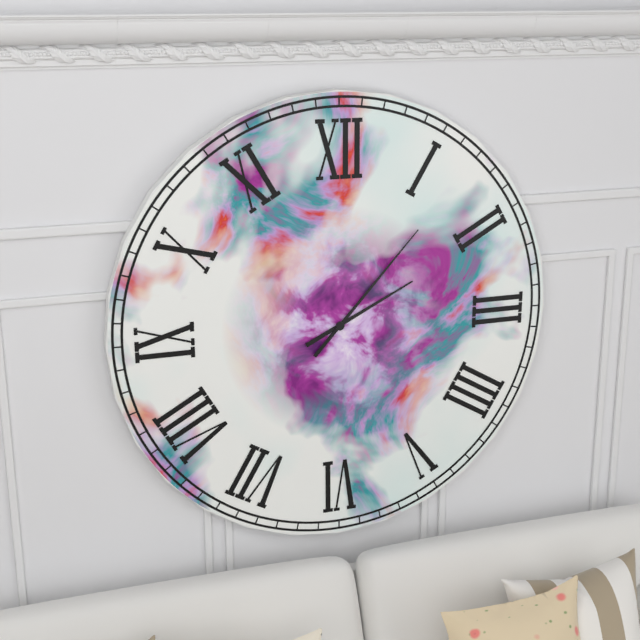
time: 2:07
